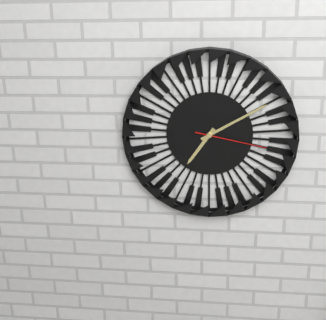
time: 7:10:17
